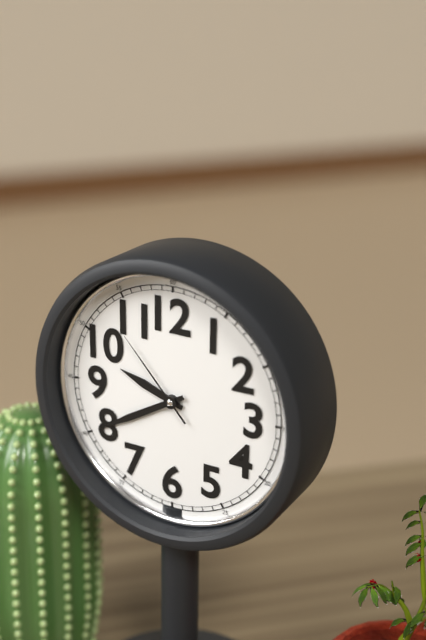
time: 9:40:53
